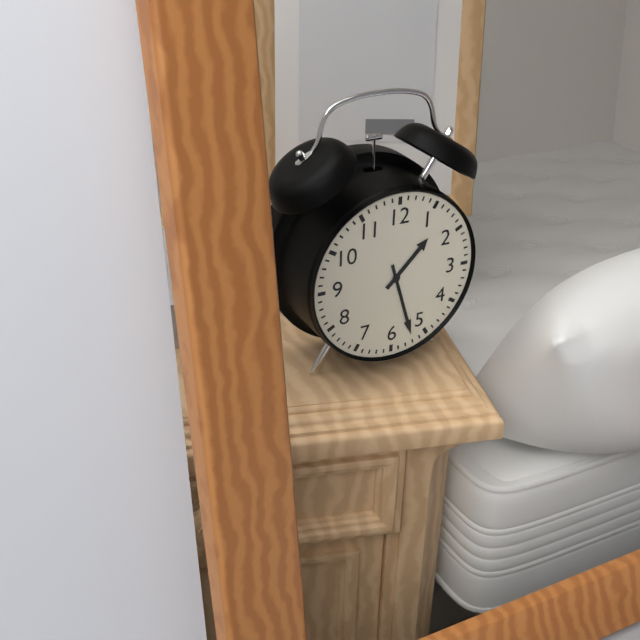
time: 1:27
